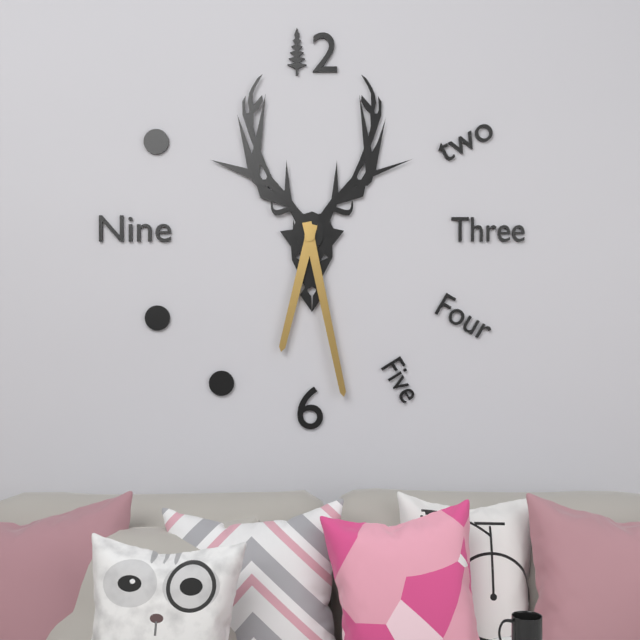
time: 6:28
